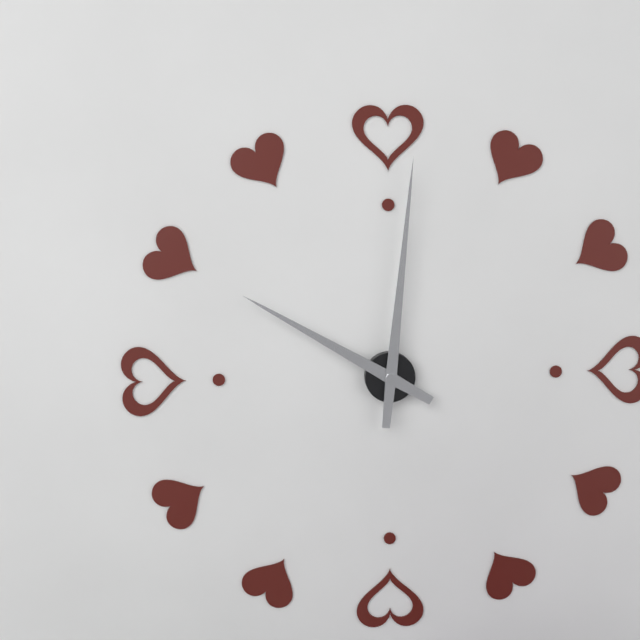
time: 10:01
